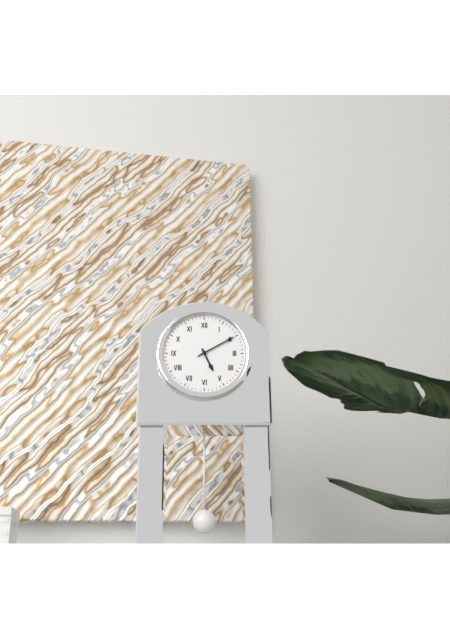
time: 5:10
